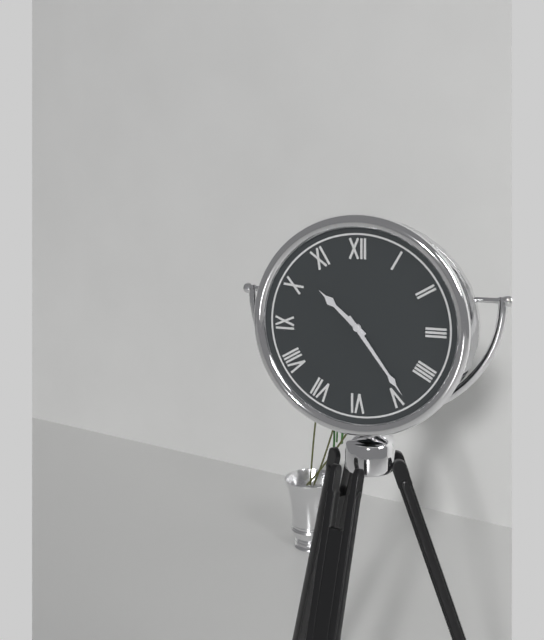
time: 10:24
